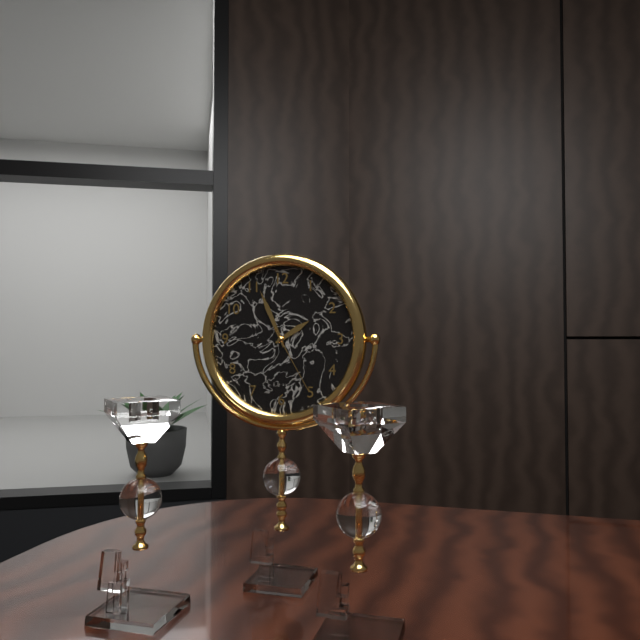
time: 1:56:25
